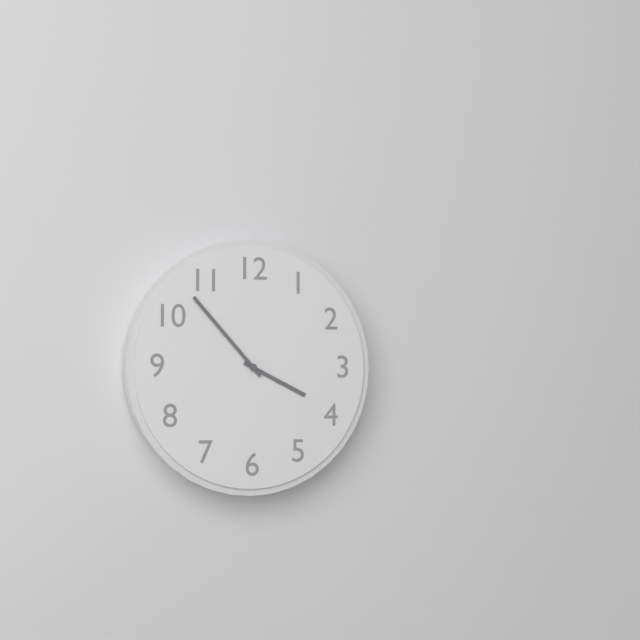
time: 3:53
